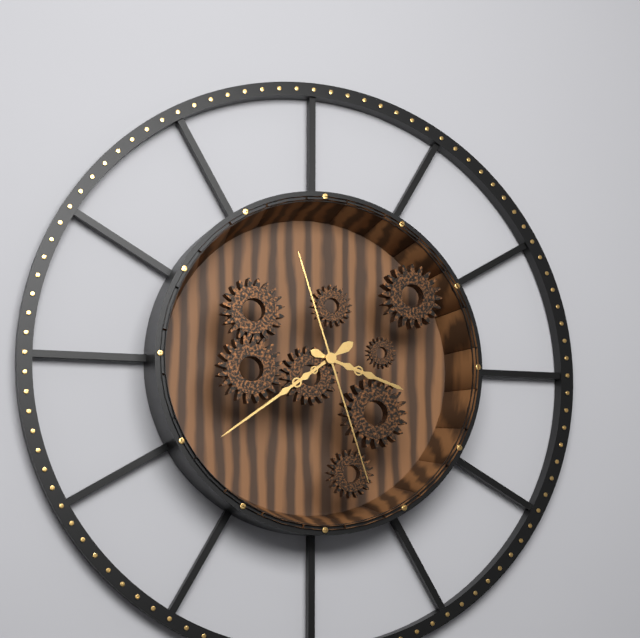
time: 3:39:27
